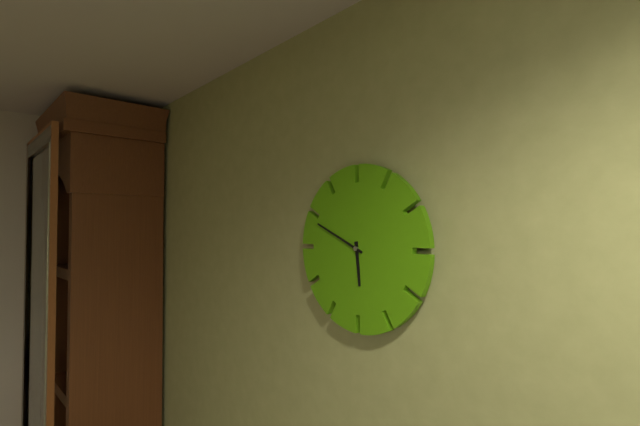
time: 5:49
